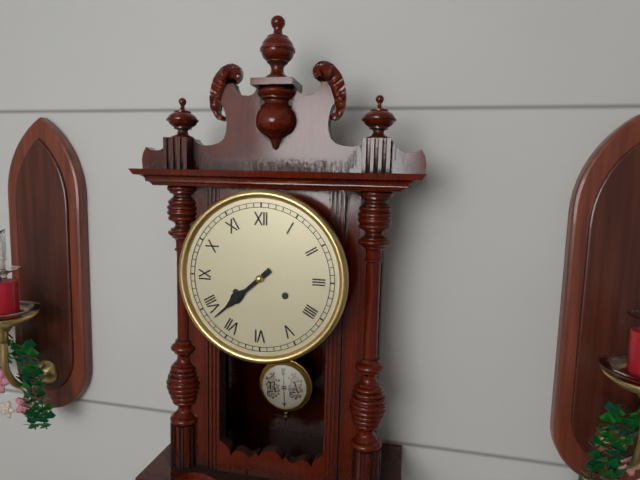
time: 7:38
